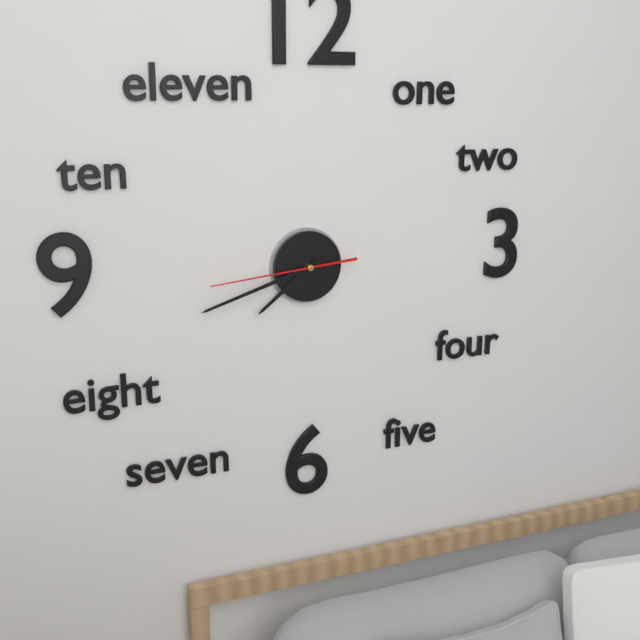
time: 7:42:44
